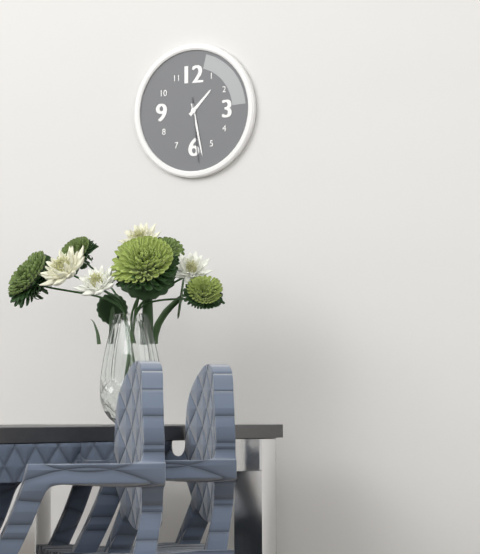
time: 1:28:29
